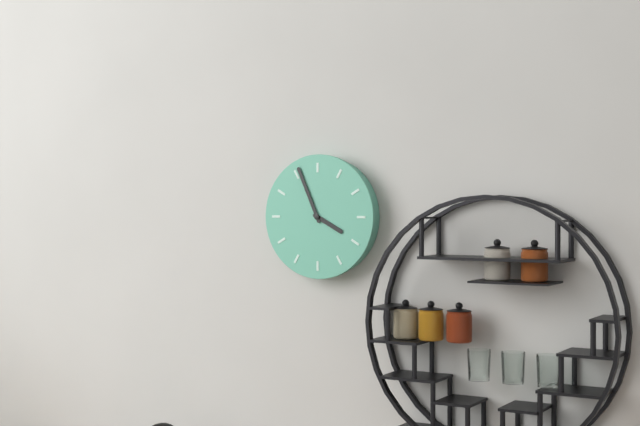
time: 3:56
